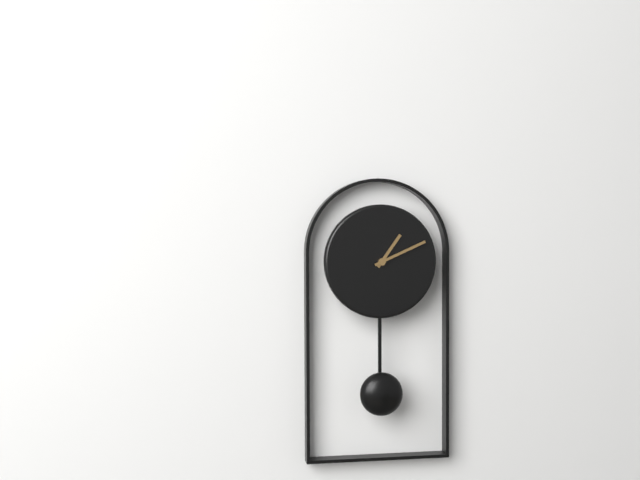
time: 1:11
